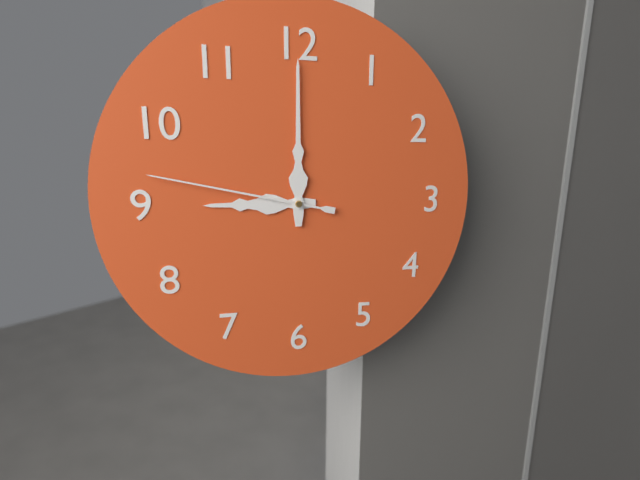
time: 9:00:47
